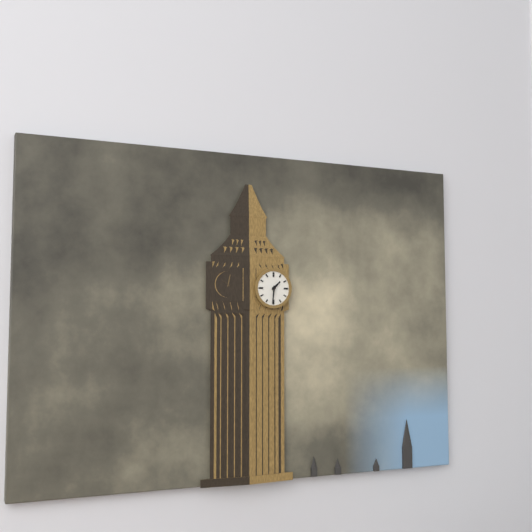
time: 1:31
